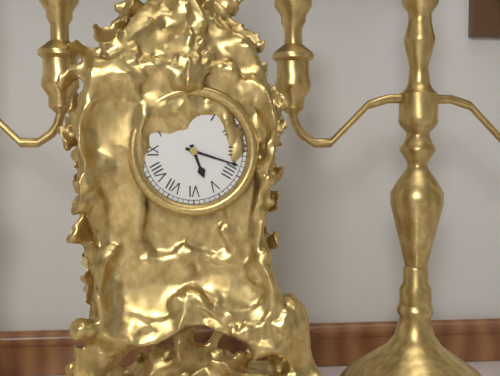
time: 5:18
